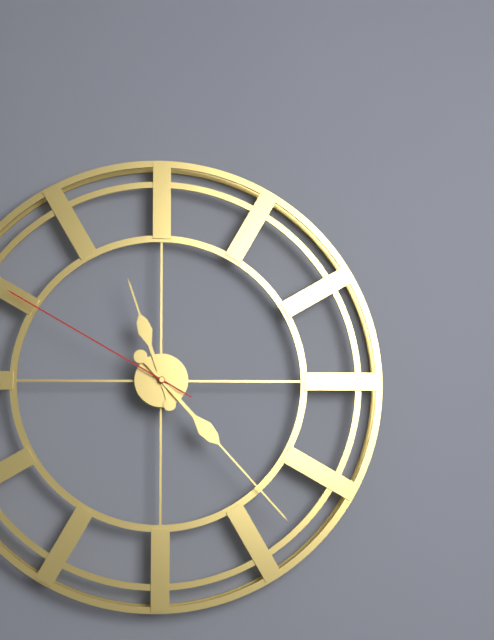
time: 11:23:50
